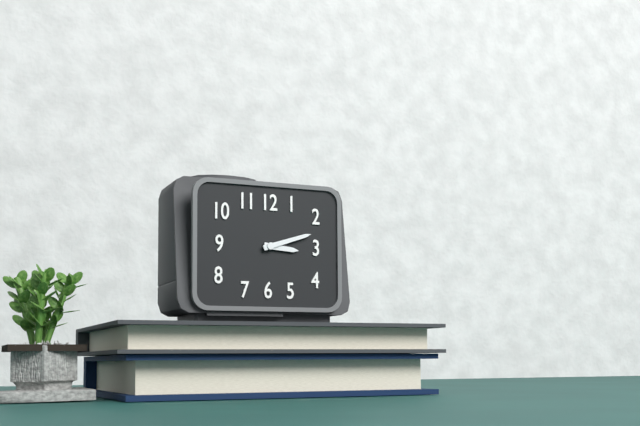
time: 3:12
